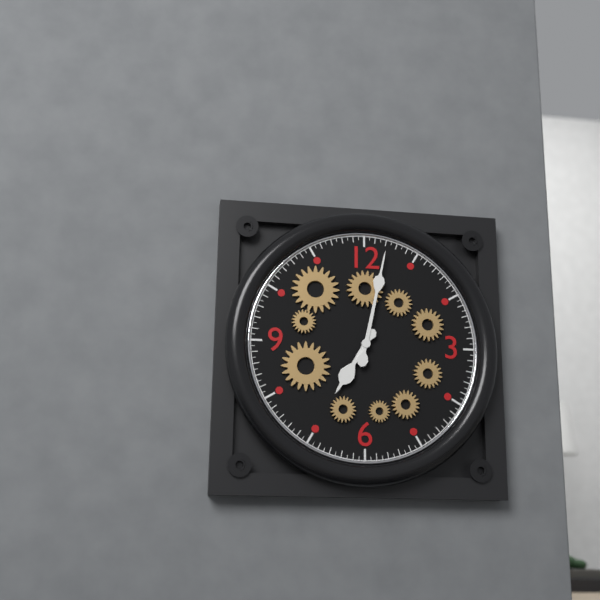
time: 7:02
